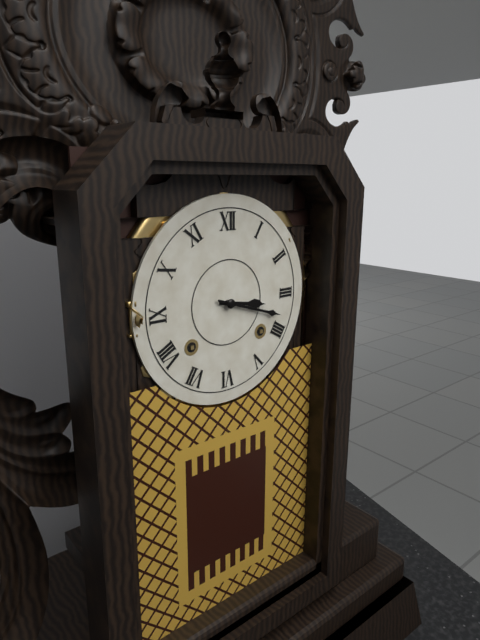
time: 3:18
